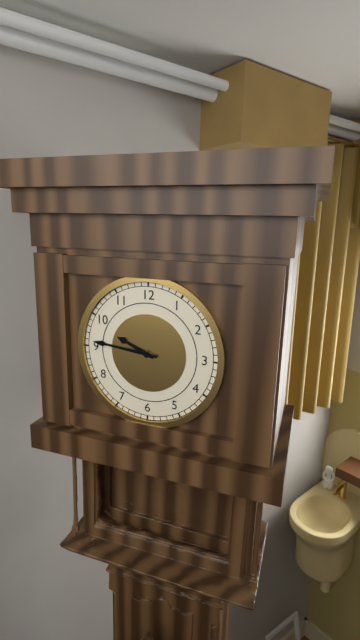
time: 9:46
